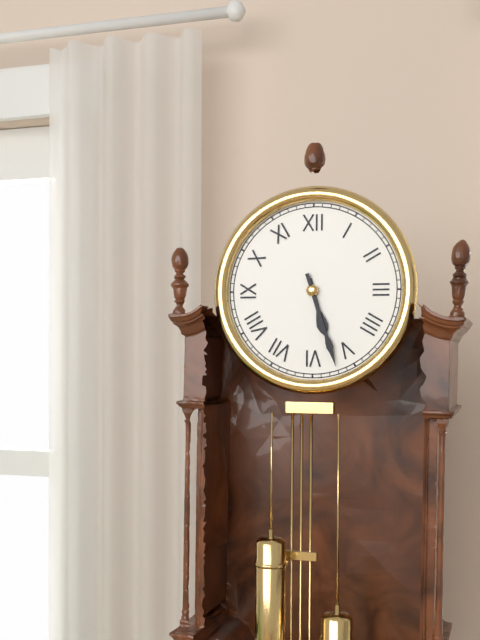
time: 5:27
